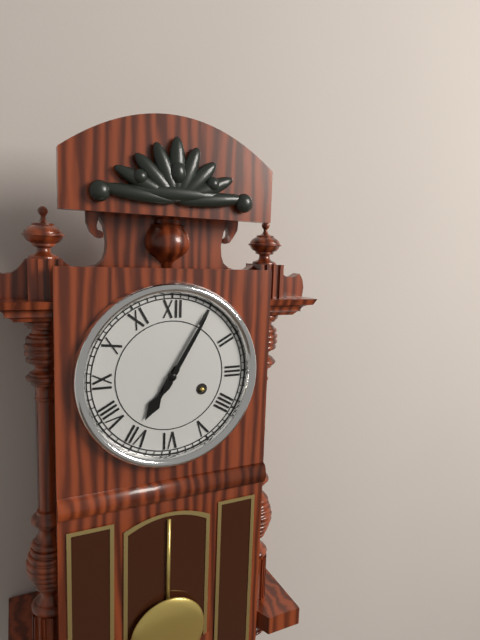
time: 7:05
